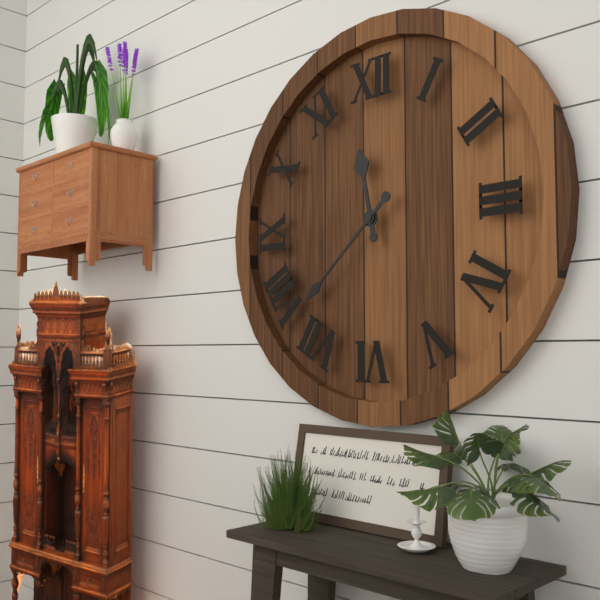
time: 11:38
